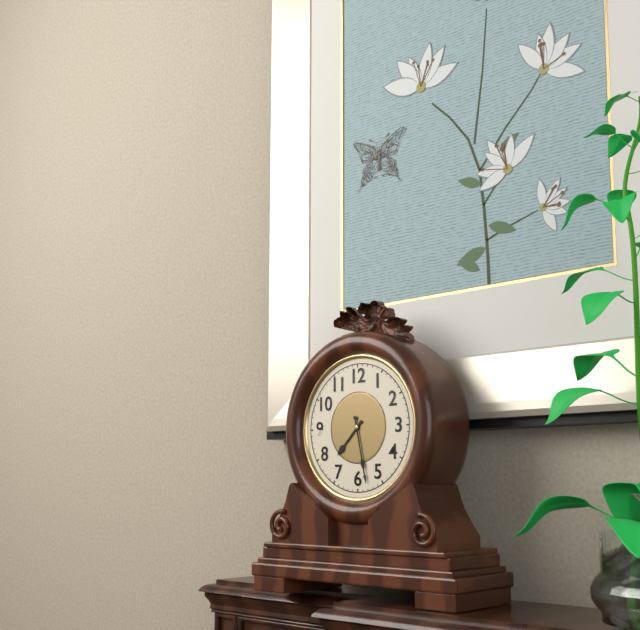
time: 7:28
